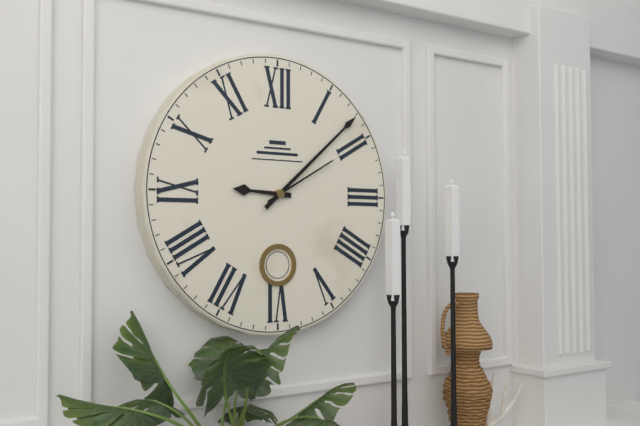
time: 9:08:10
